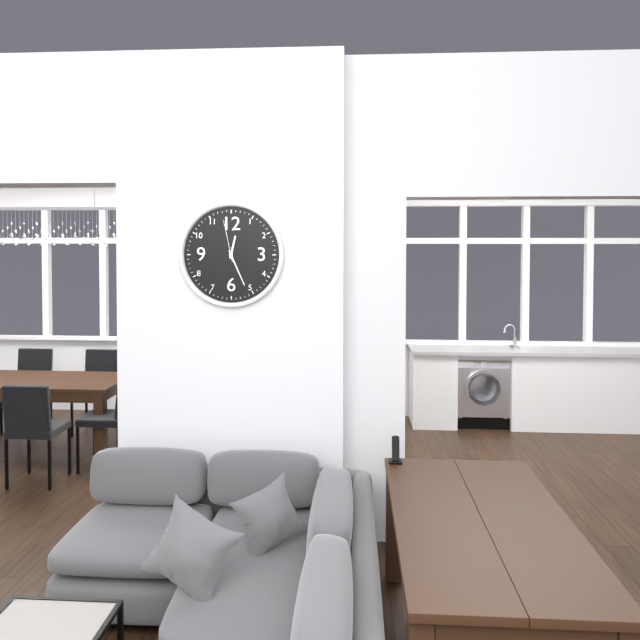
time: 12:26
